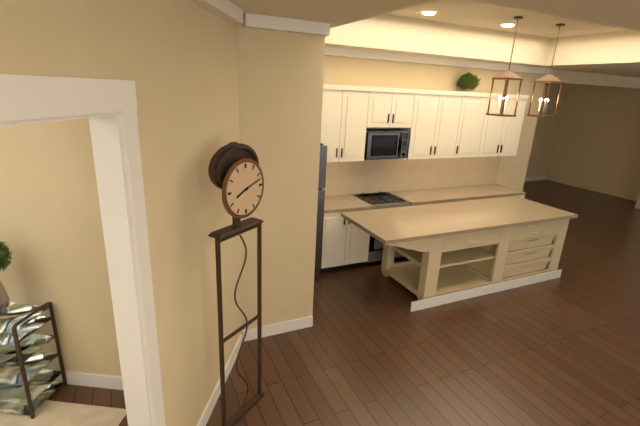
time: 8:12
